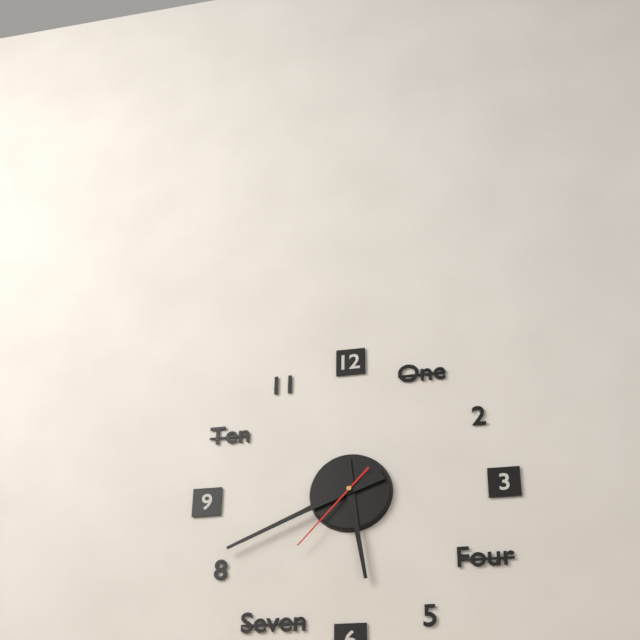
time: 5:41:37
